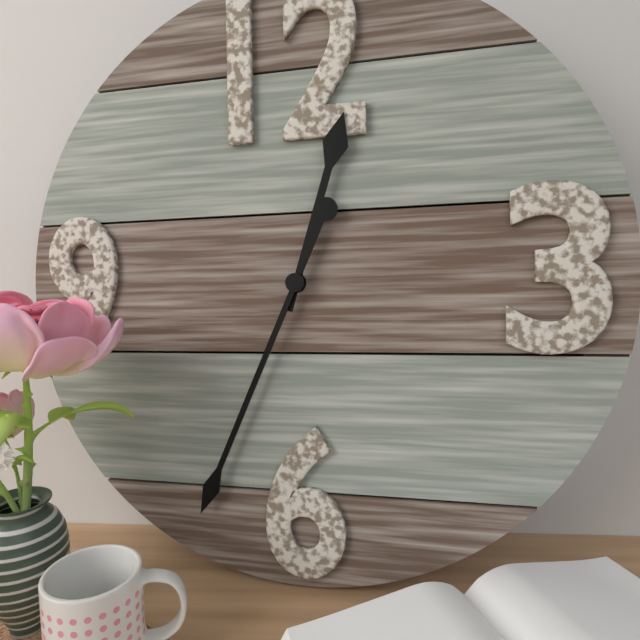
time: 12:34
